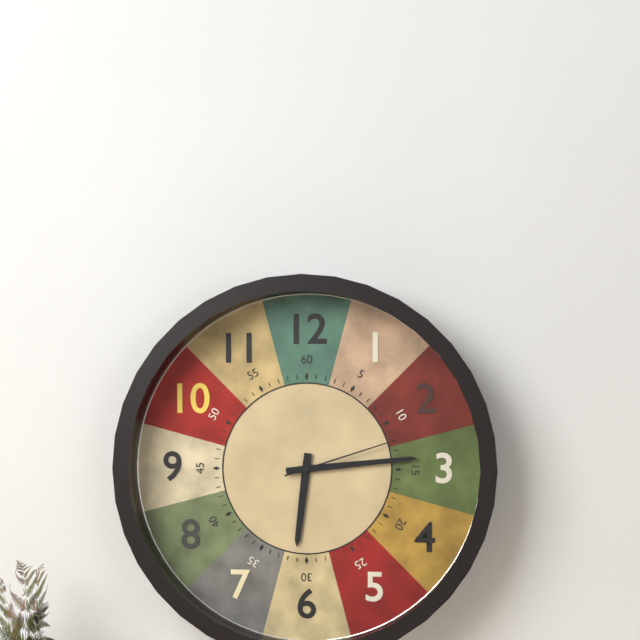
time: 6:14:12
